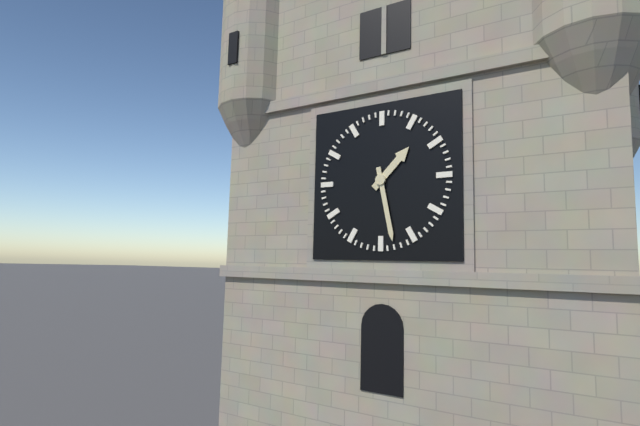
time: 1:28
